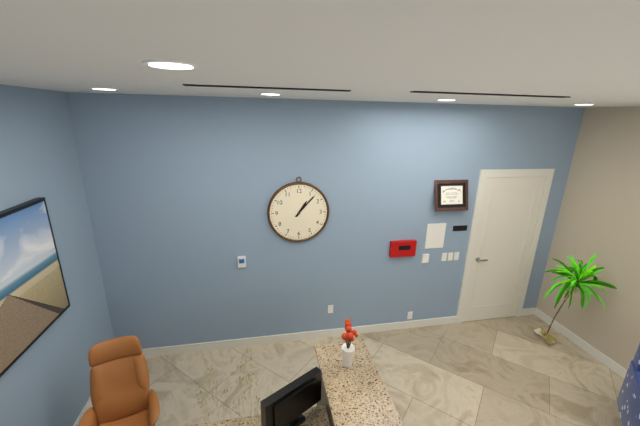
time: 1:07
